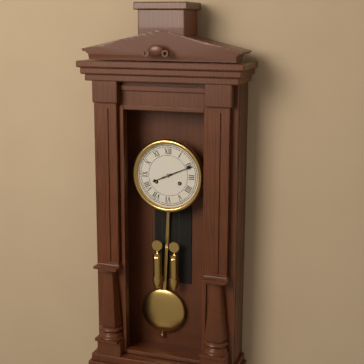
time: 8:11
